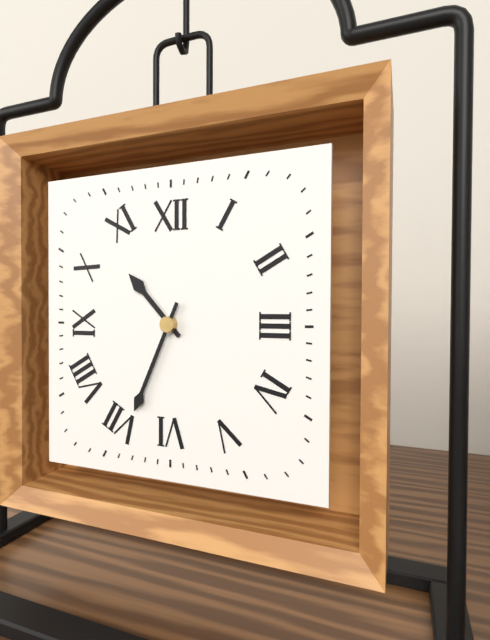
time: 10:34
